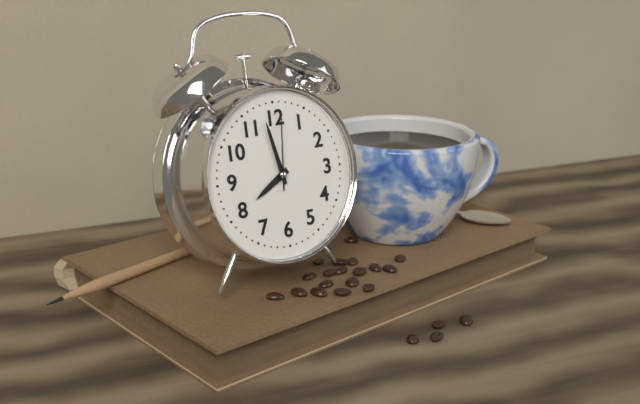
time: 7:58:01
